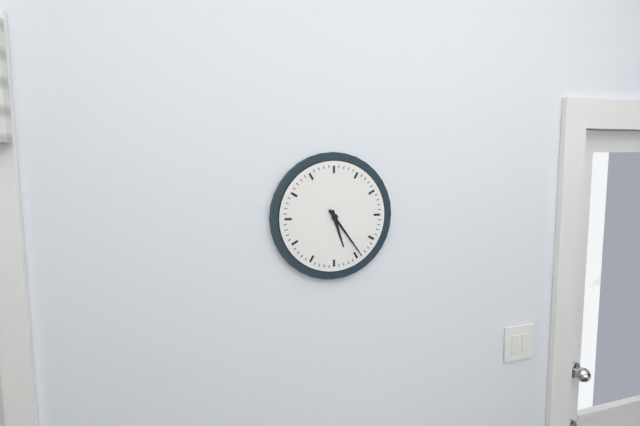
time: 5:24
